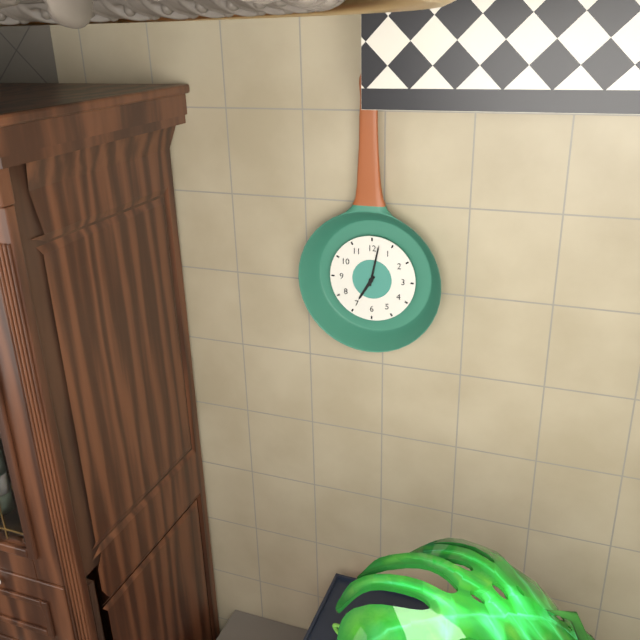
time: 7:02
